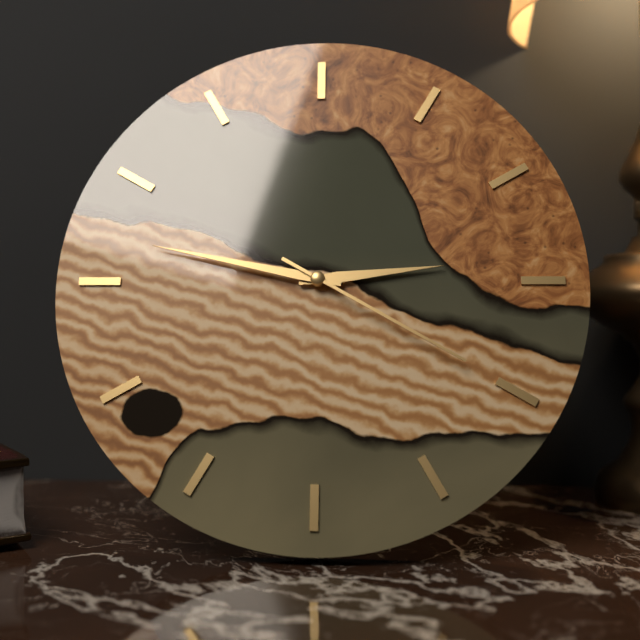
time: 2:47:20
